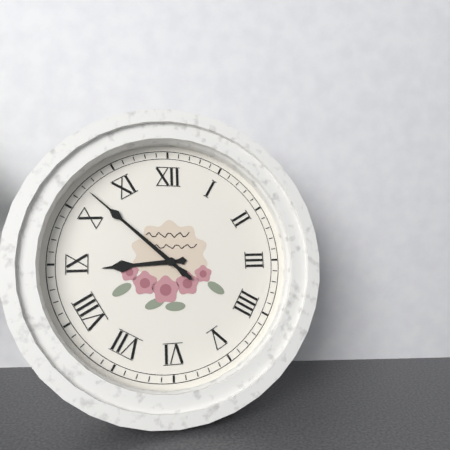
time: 8:52:52
